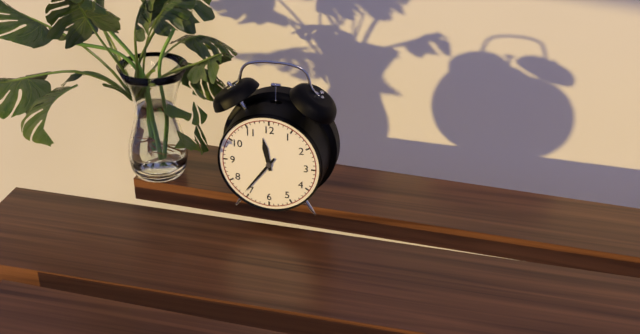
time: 11:36
